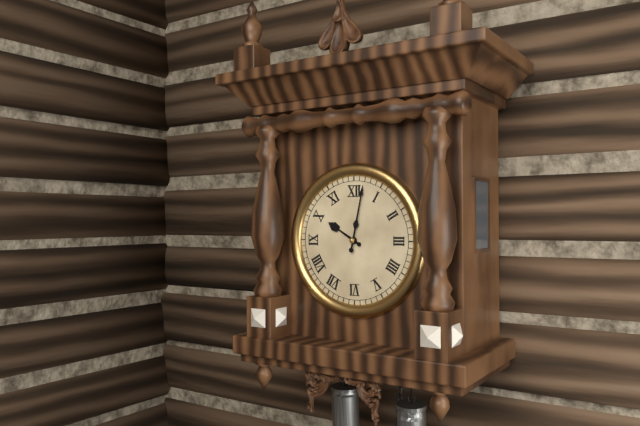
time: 10:02
